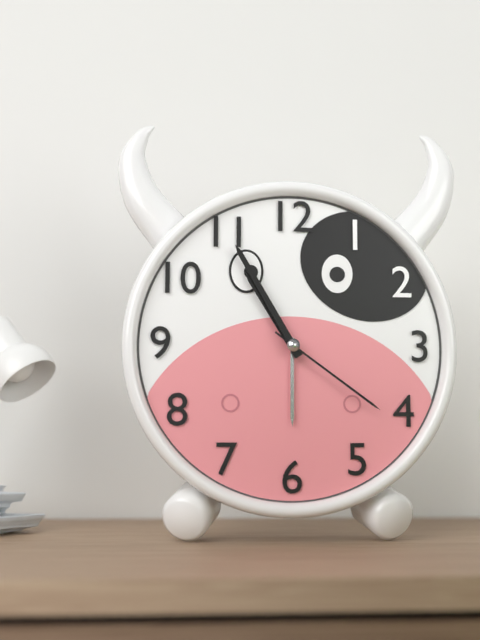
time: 10:55:21
